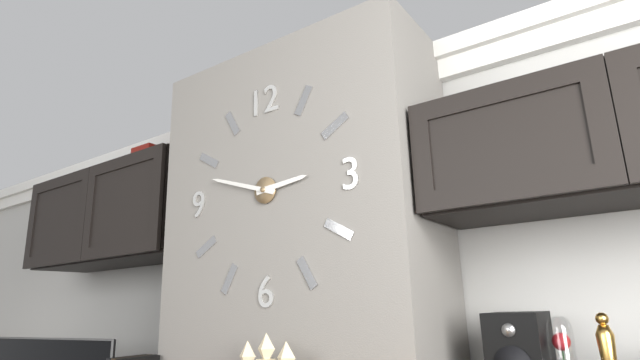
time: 2:48
